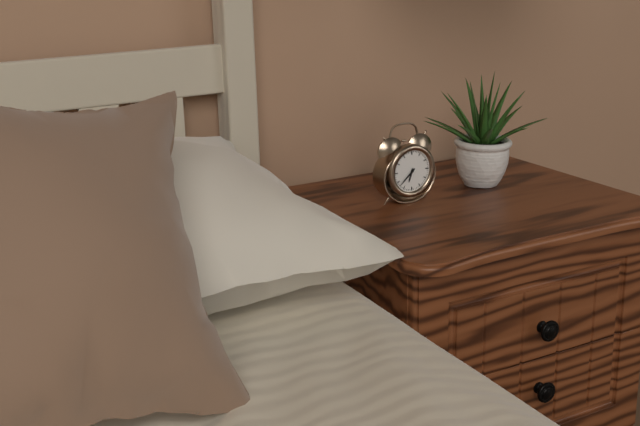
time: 6:38
